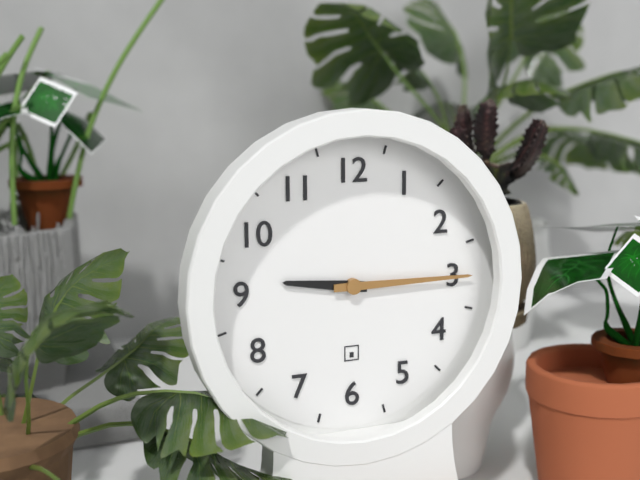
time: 9:15
